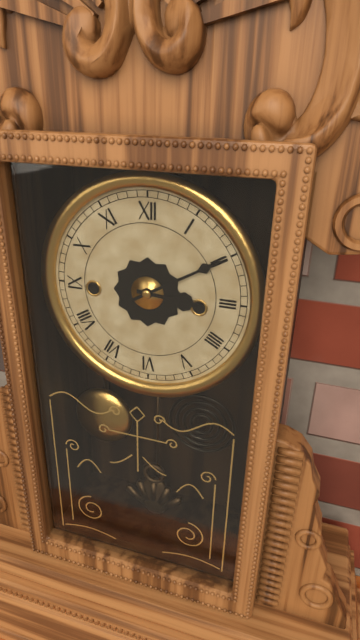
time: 3:10
